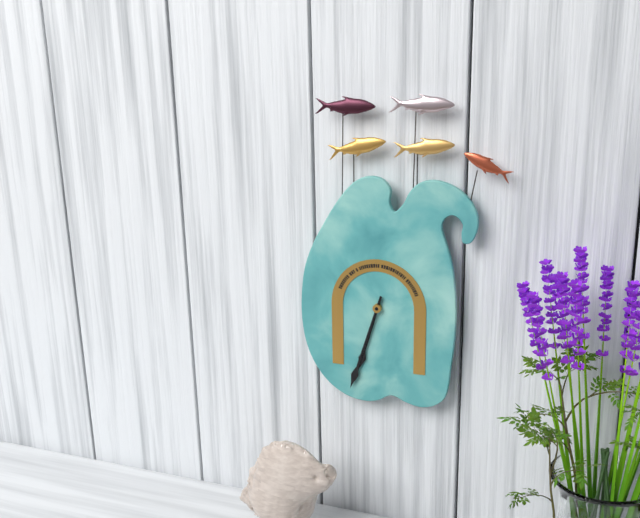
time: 6:33
